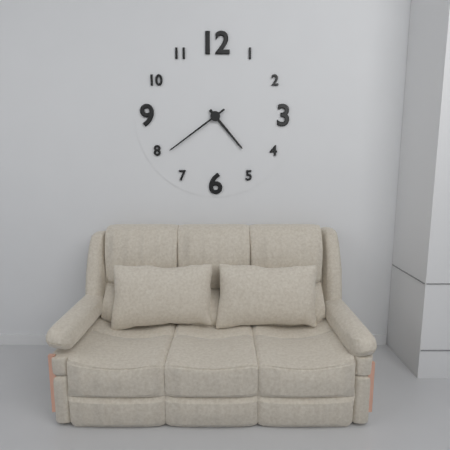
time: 4:39
